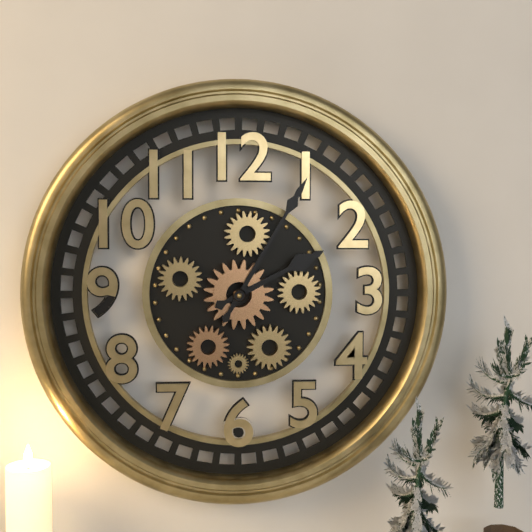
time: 2:05
